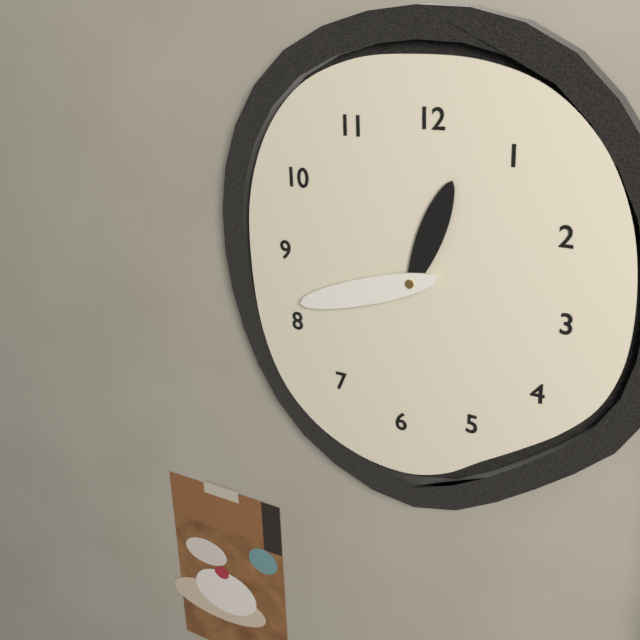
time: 12:42
